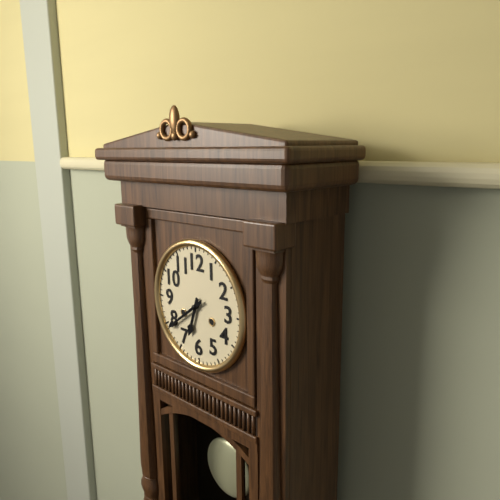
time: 6:39
